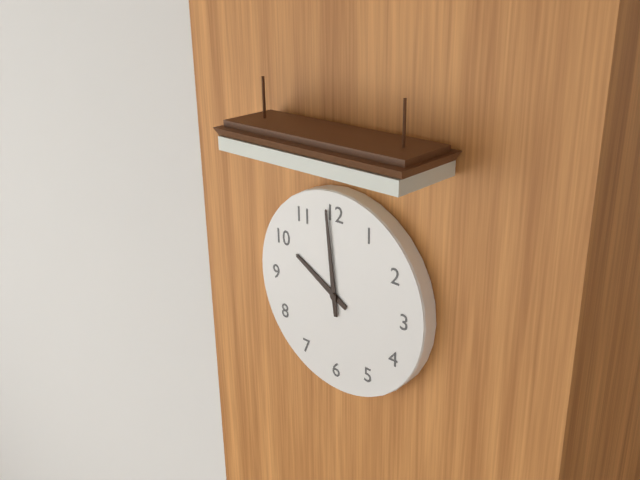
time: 9:59
